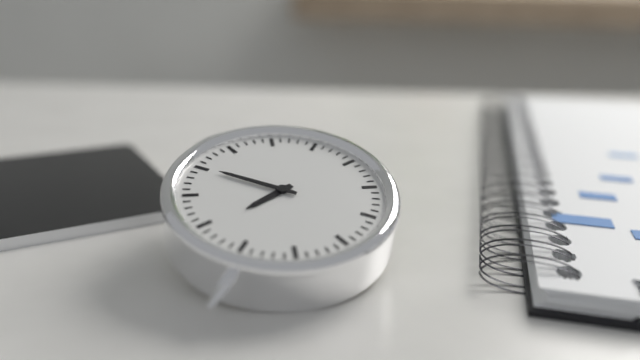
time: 7:50
